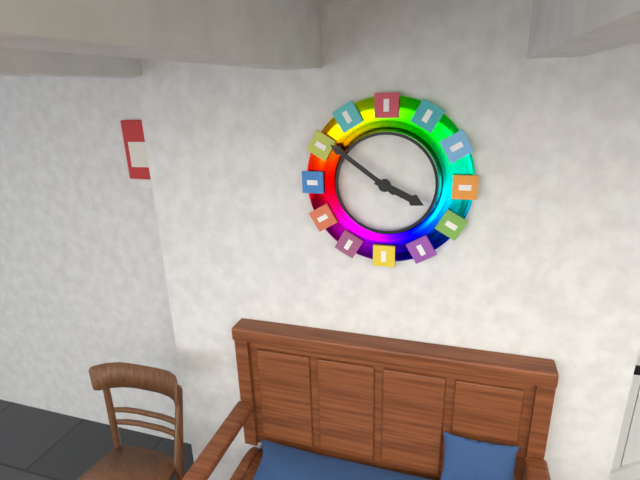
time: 3:51
